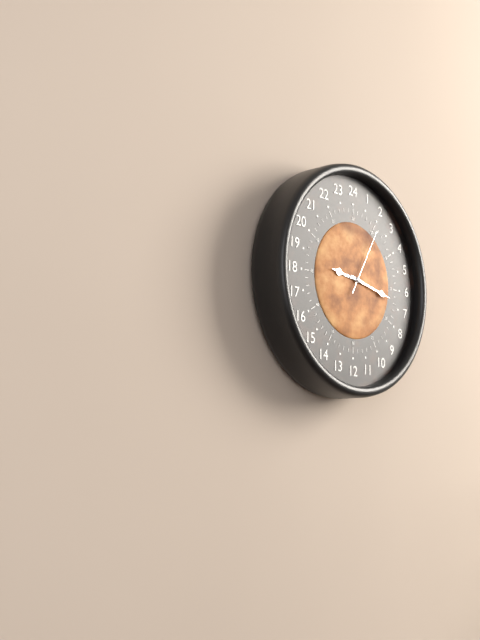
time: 9:17:05
